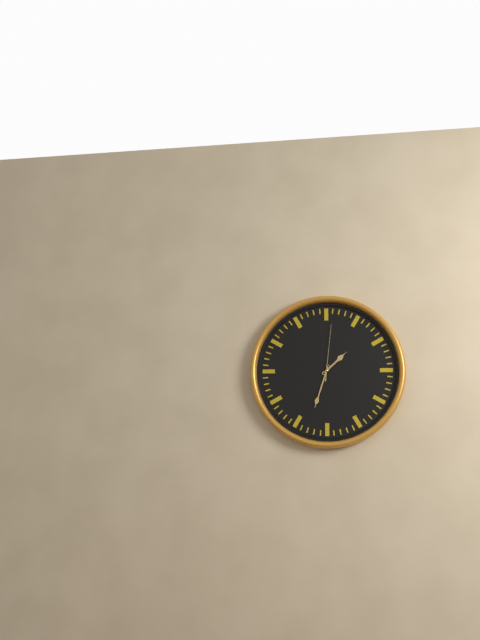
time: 1:33:01
